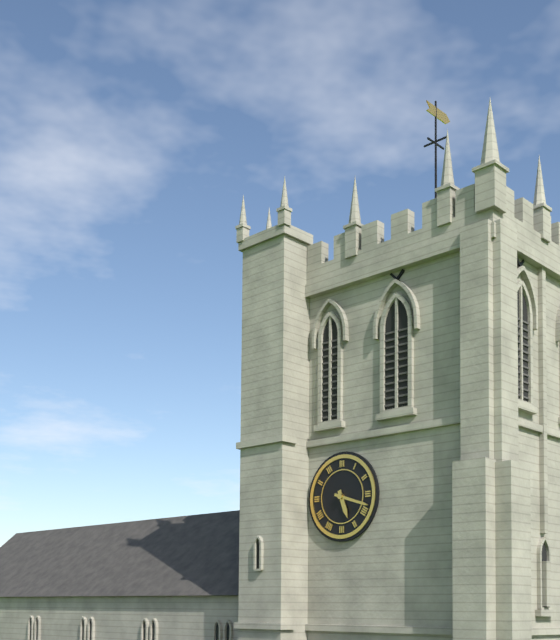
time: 5:18
